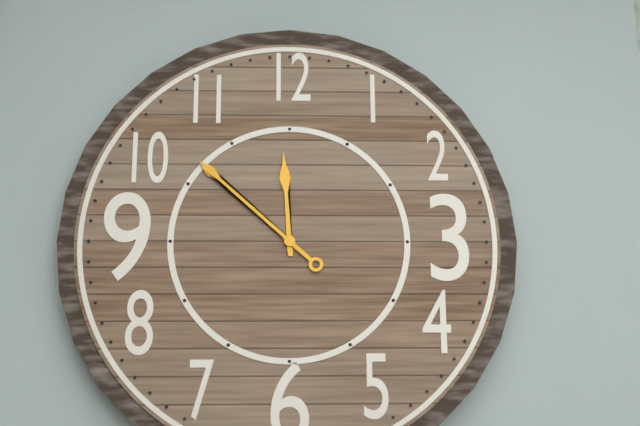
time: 11:52
